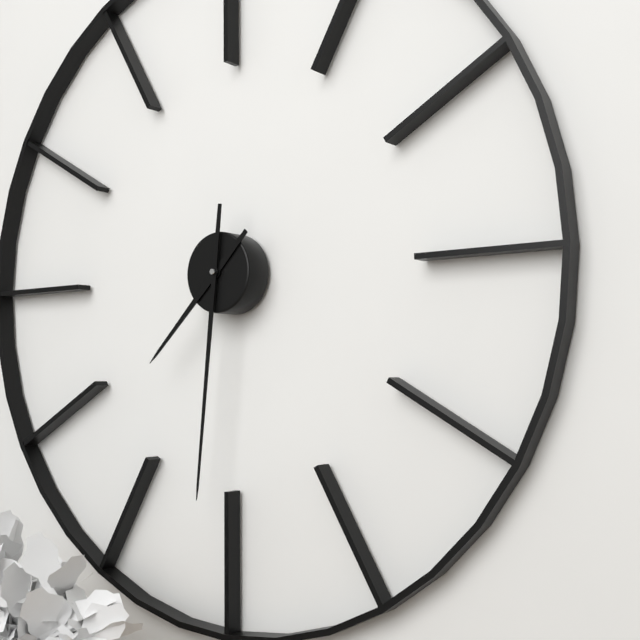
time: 7:31
